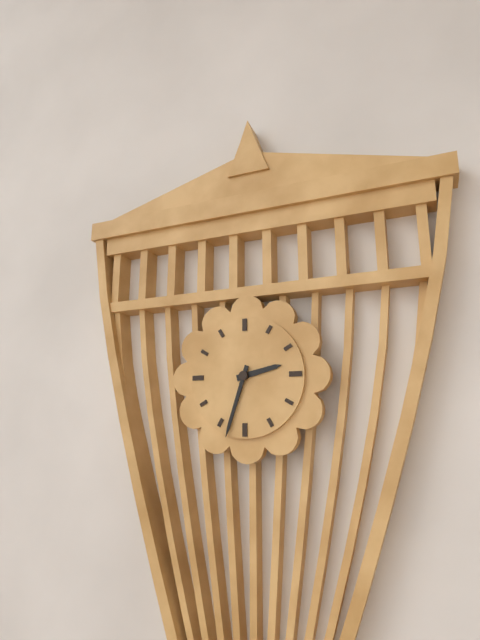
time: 2:33
